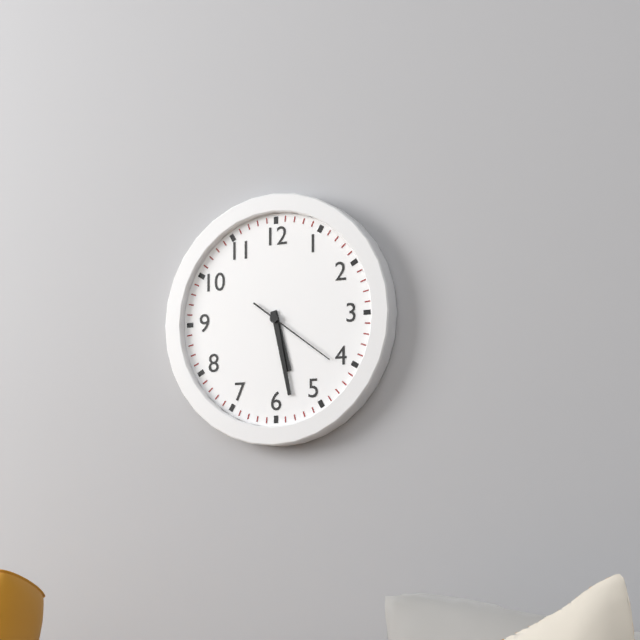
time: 5:28:21
